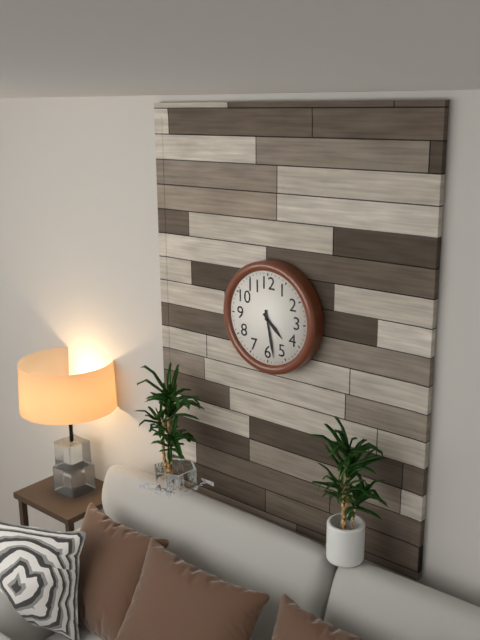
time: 4:28
